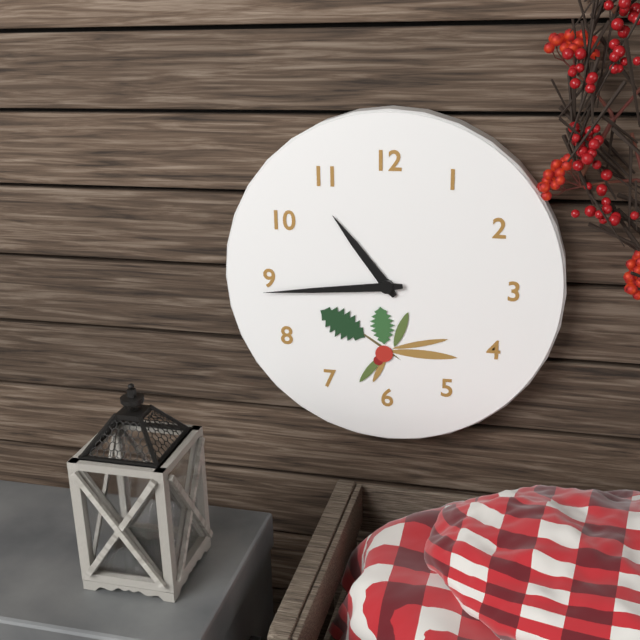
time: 10:44
